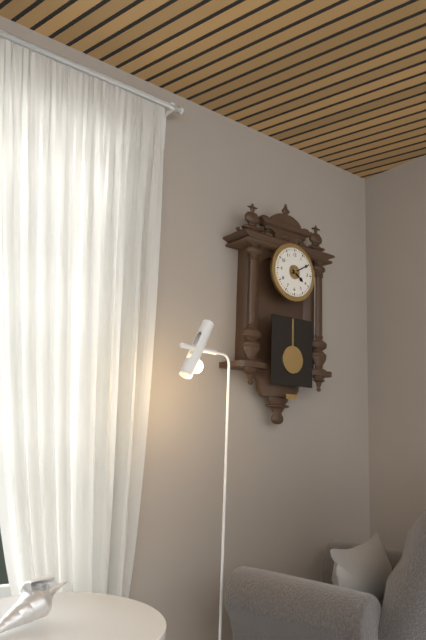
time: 4:10
